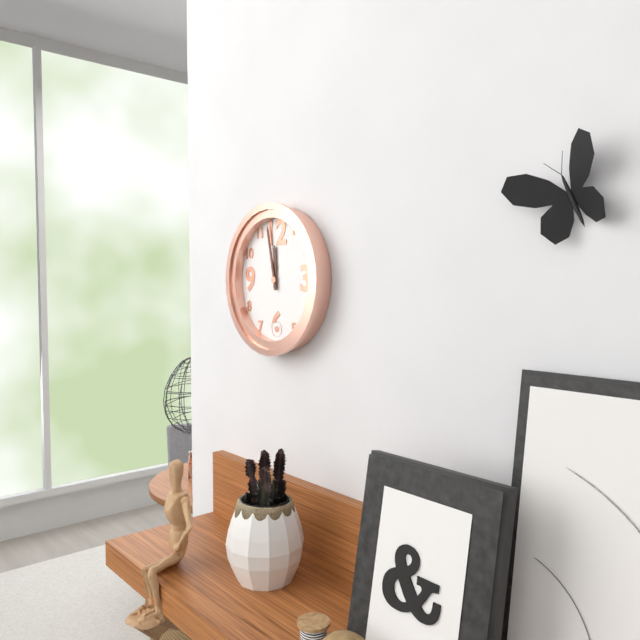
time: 11:58
